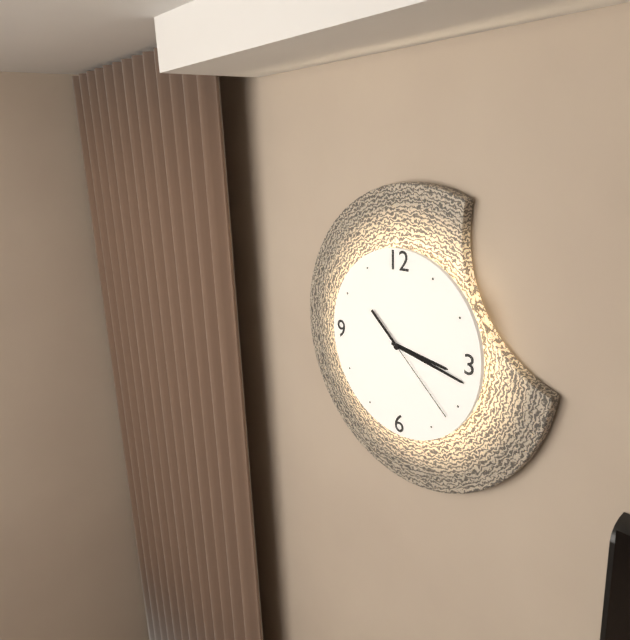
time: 3:17:22
